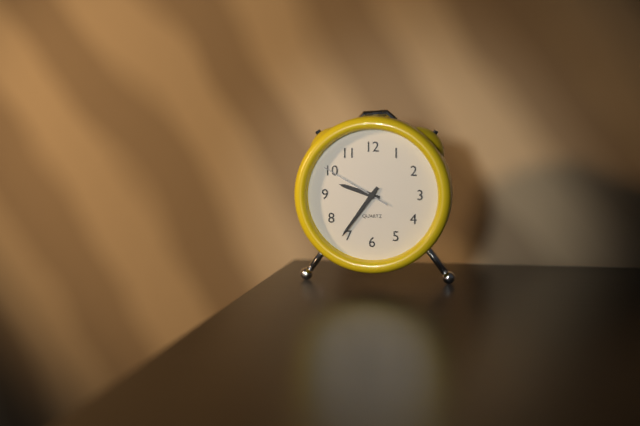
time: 9:36:50
